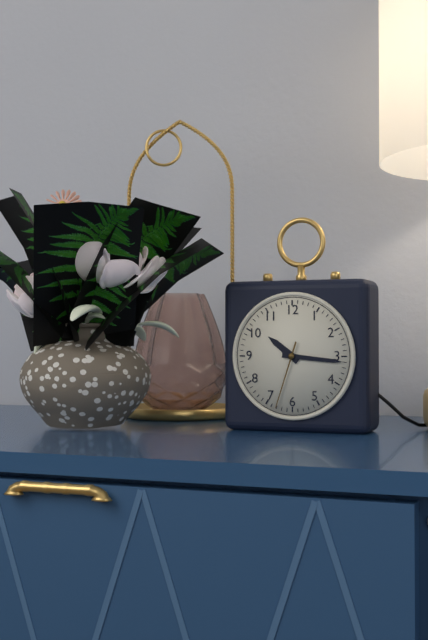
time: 10:16:33
